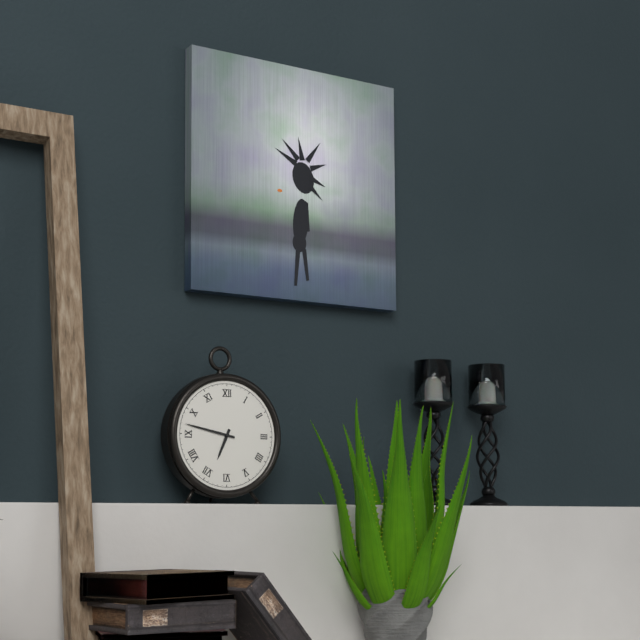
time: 6:47
